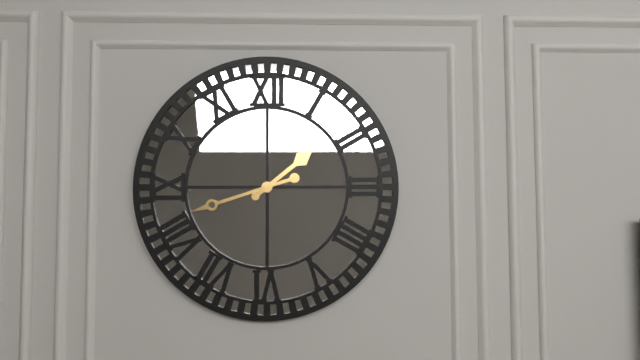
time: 1:42
